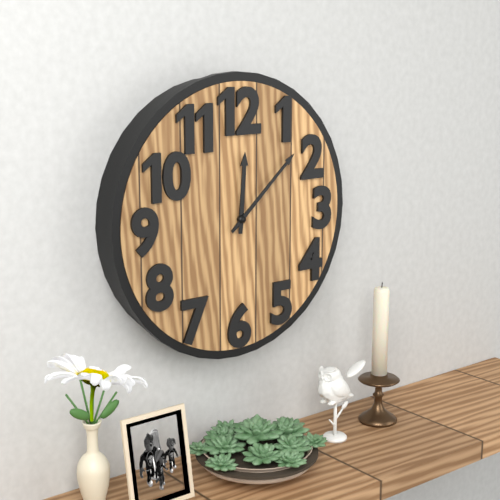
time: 12:08
